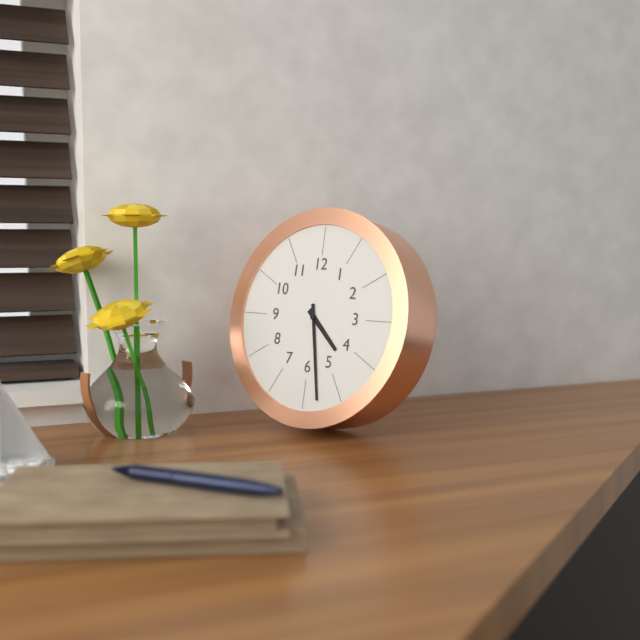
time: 4:28
